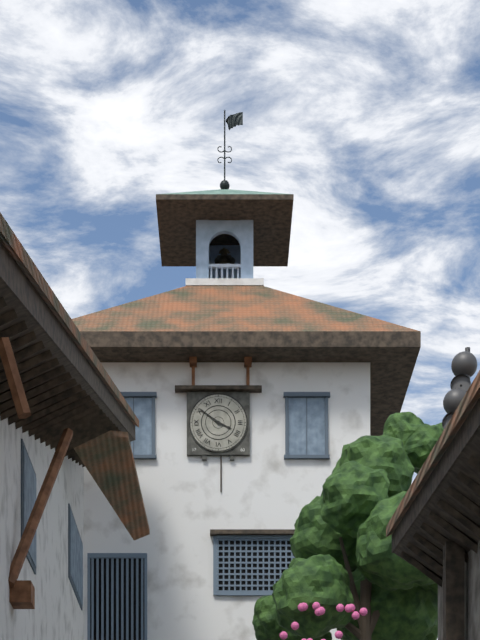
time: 3:51
